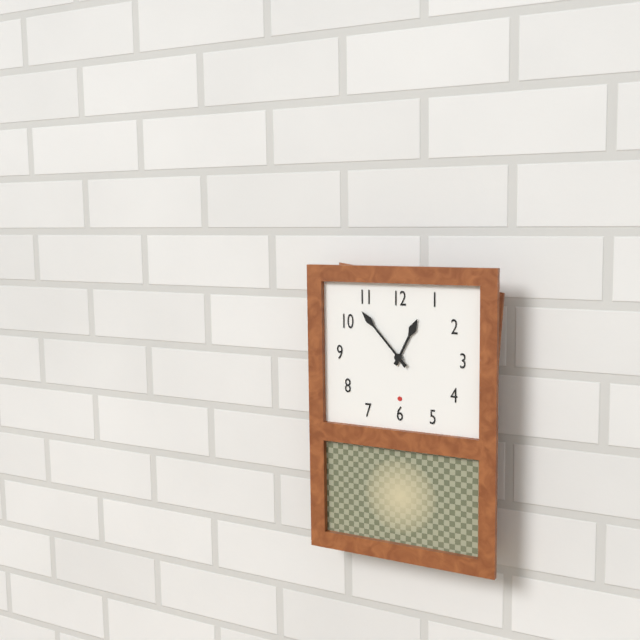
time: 12:53
